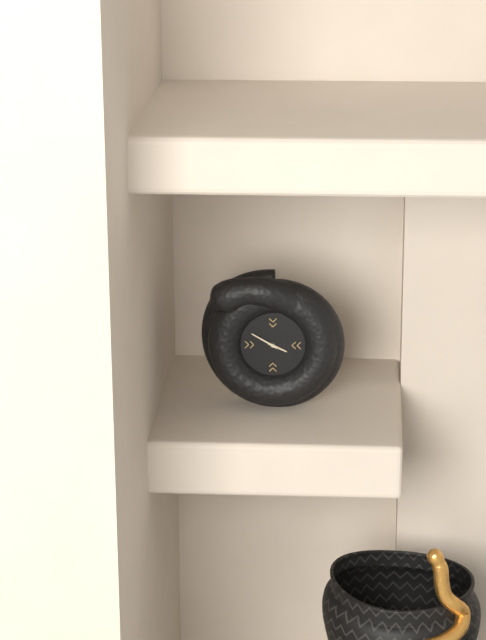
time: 3:50
